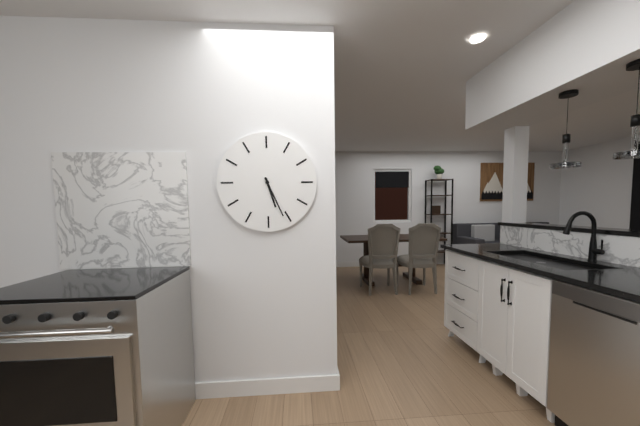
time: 5:26
